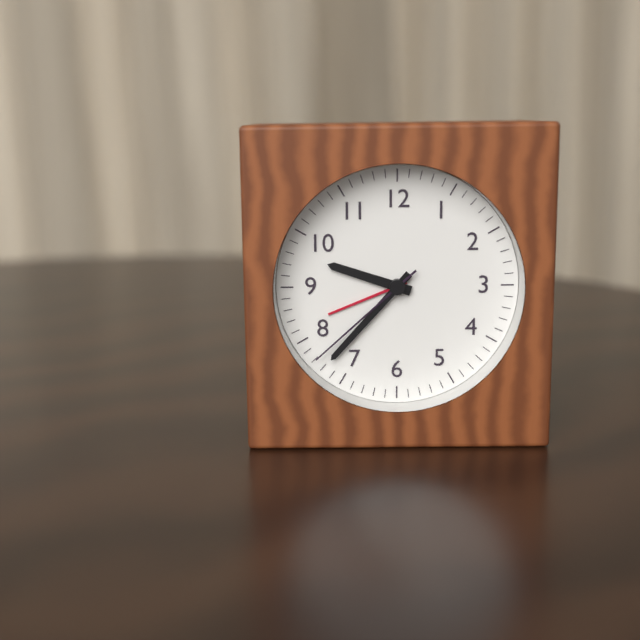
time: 9:37:38
